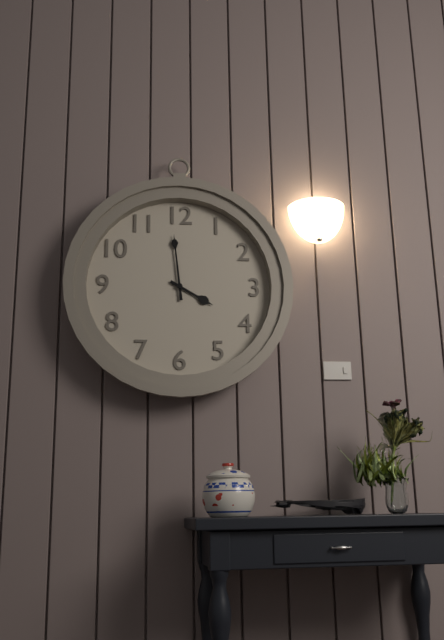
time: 3:59
